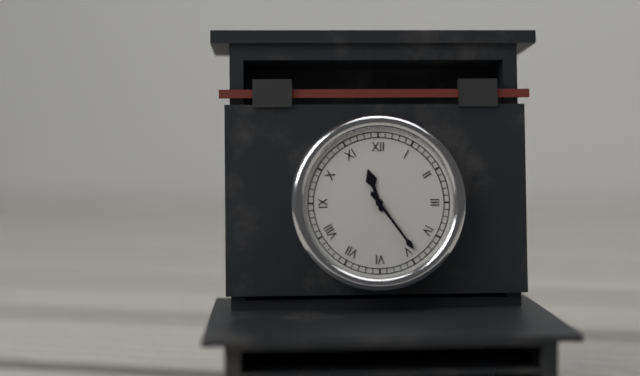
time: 11:24
